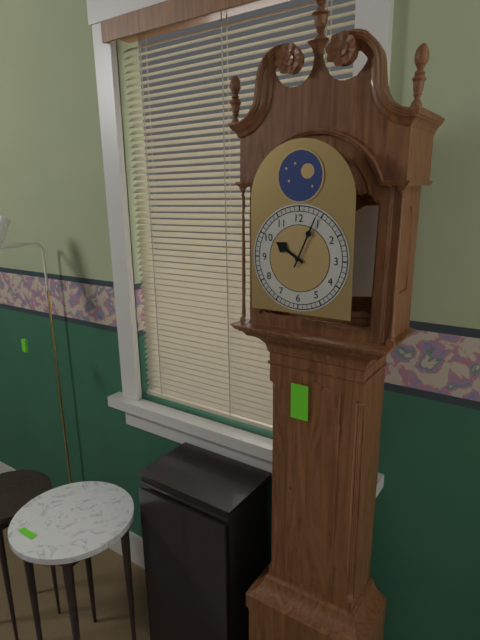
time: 10:04
